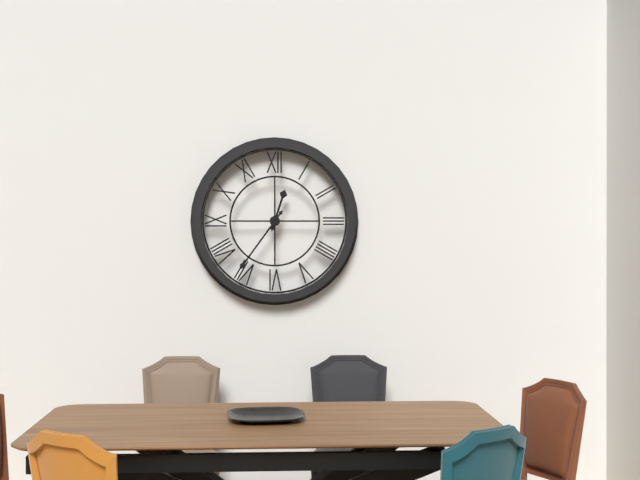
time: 12:36
